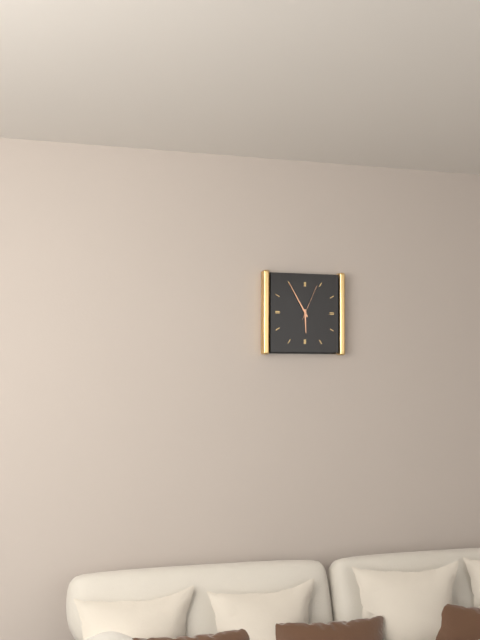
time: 5:55
